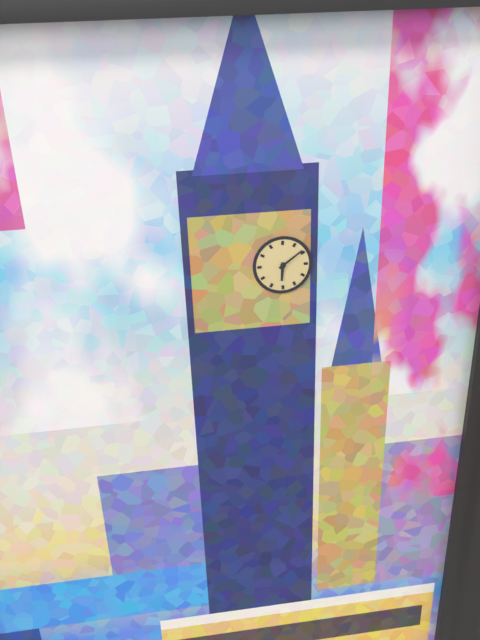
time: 6:09
